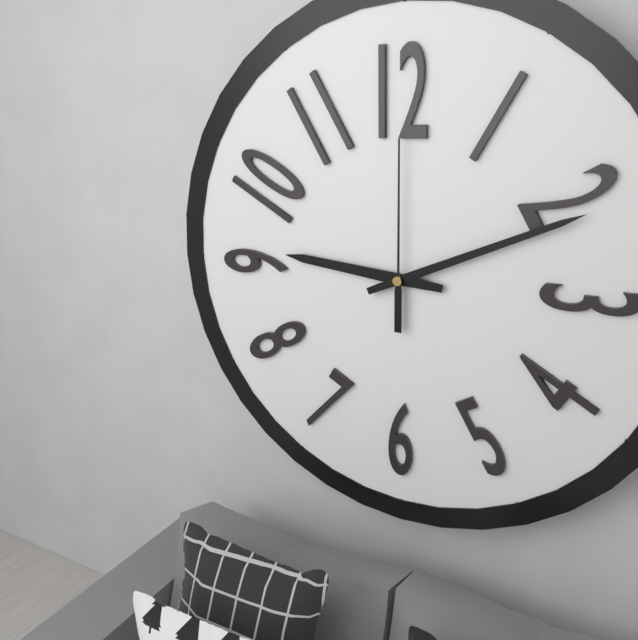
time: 9:11:00
